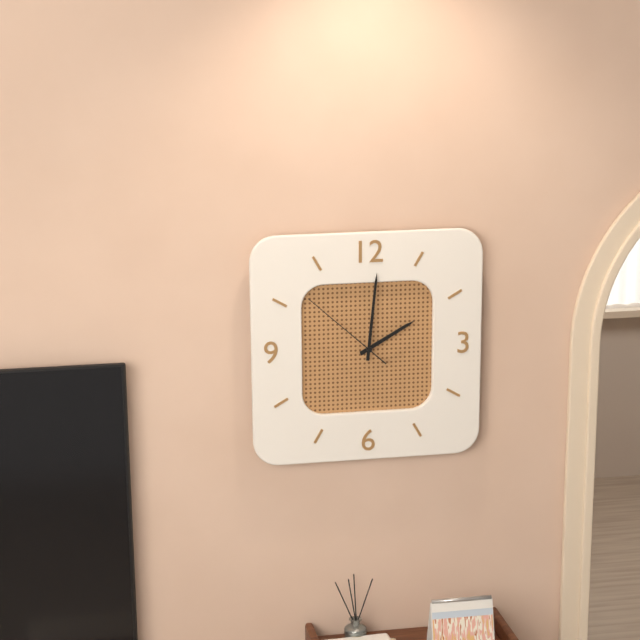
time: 2:01:52
